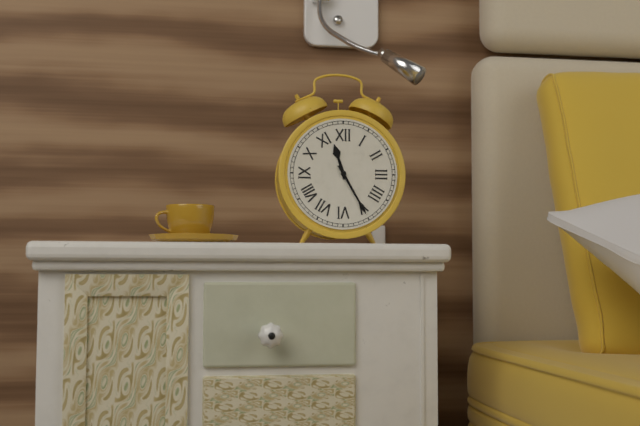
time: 11:25
